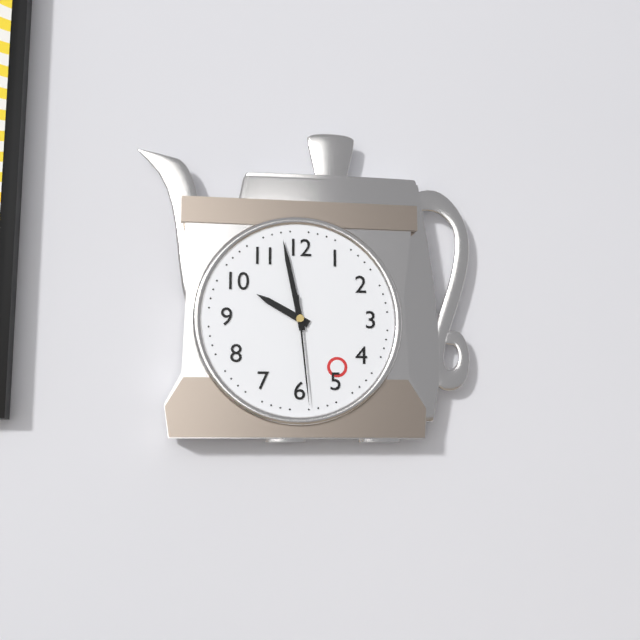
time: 9:58:29
